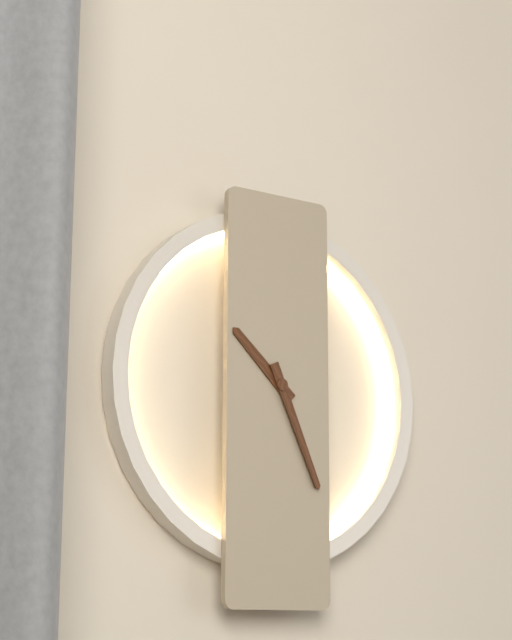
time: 10:26
